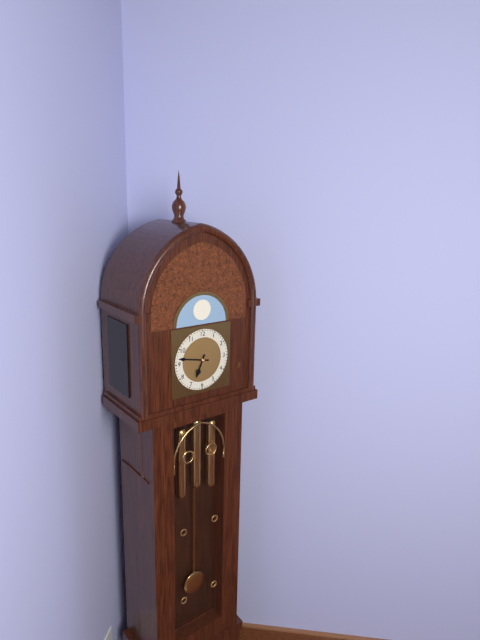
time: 6:47
